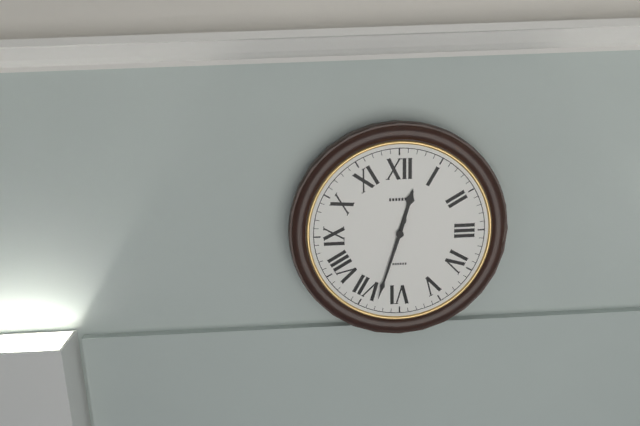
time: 12:33
